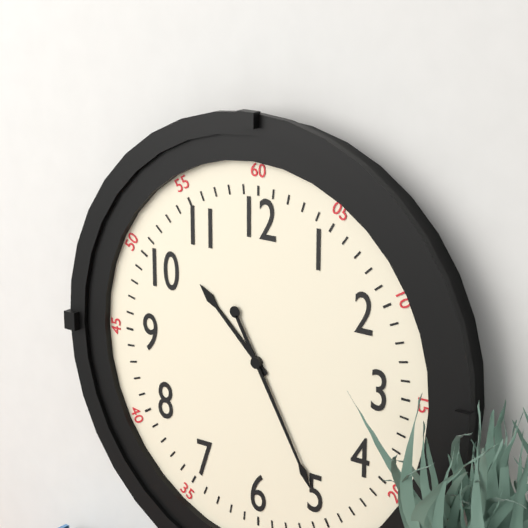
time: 10:25
